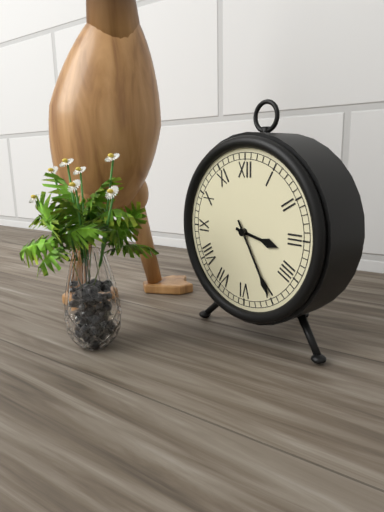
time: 3:25
